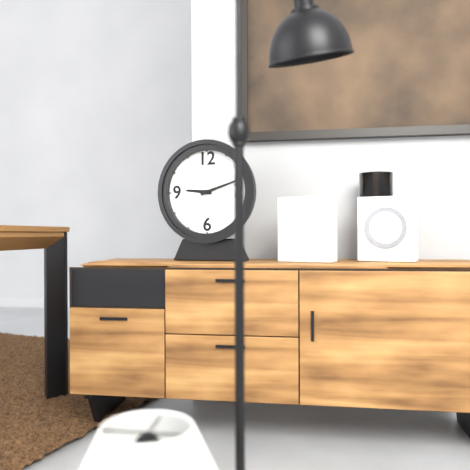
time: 9:12
